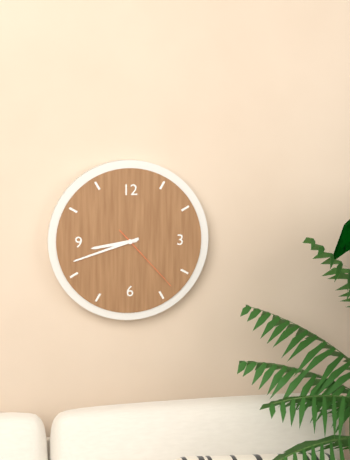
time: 8:42:23
